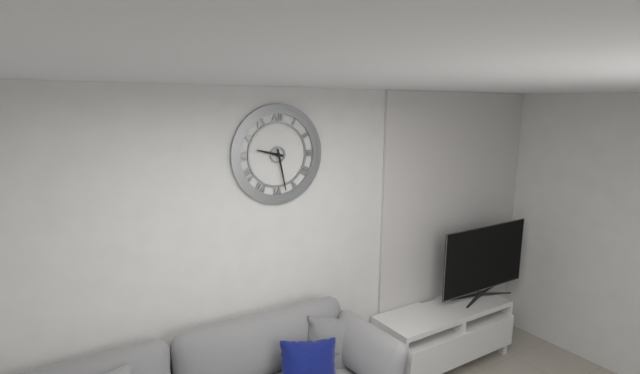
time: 9:28
